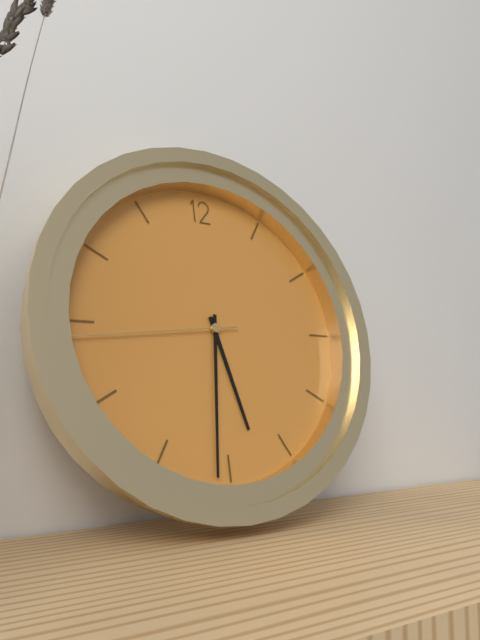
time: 5:31:44
